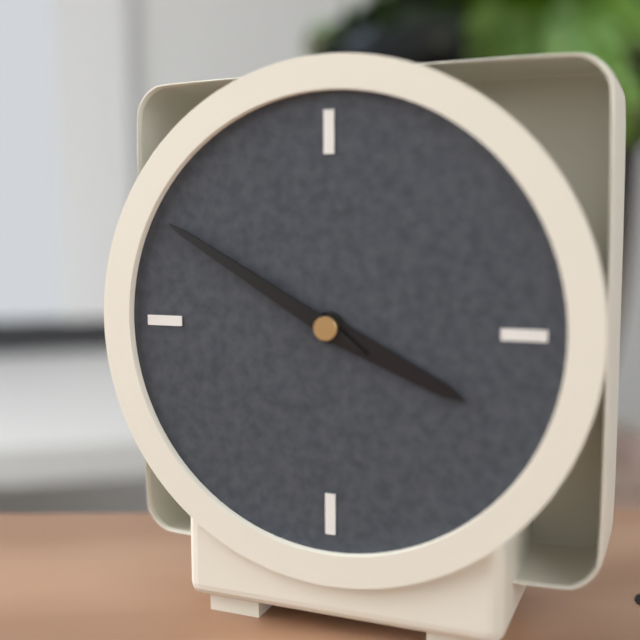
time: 3:50
